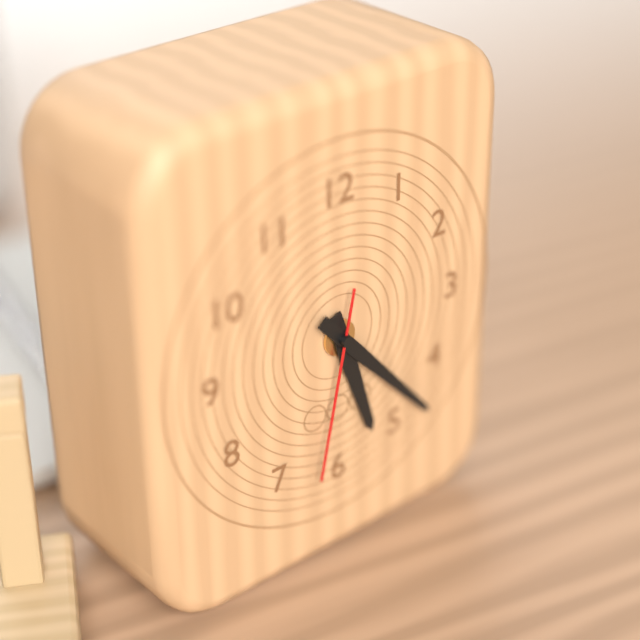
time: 5:23:32
